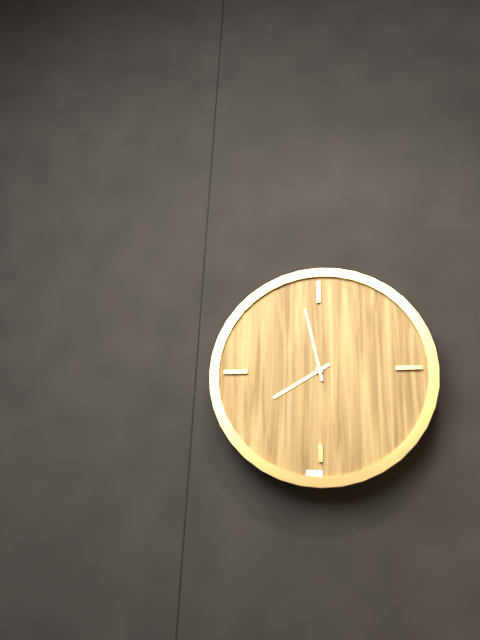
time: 7:58
